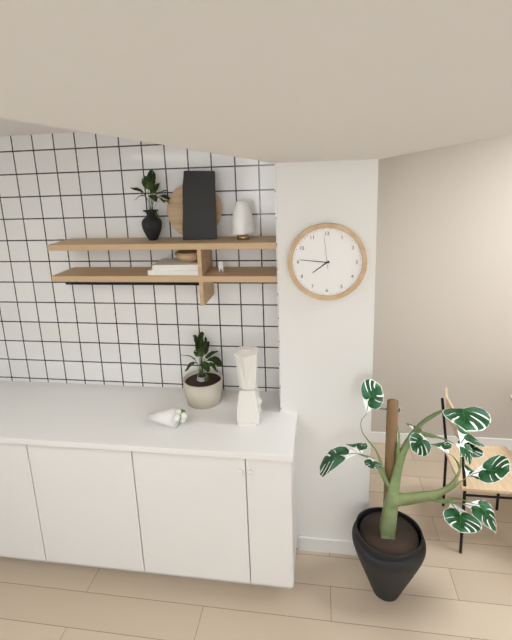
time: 7:46
